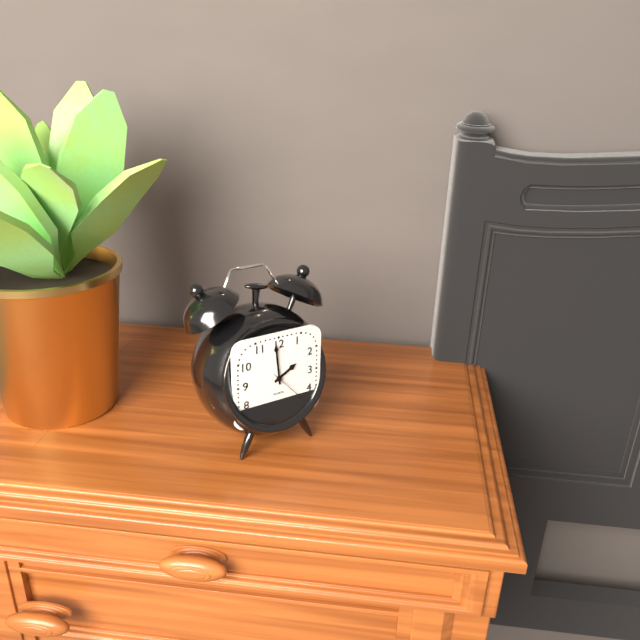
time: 1:59
